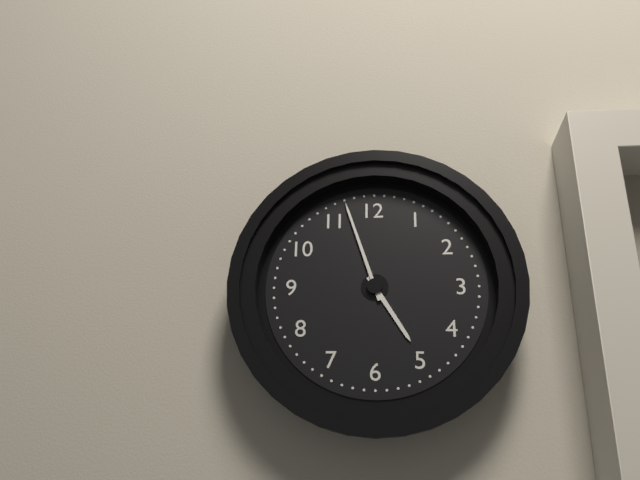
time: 4:57
